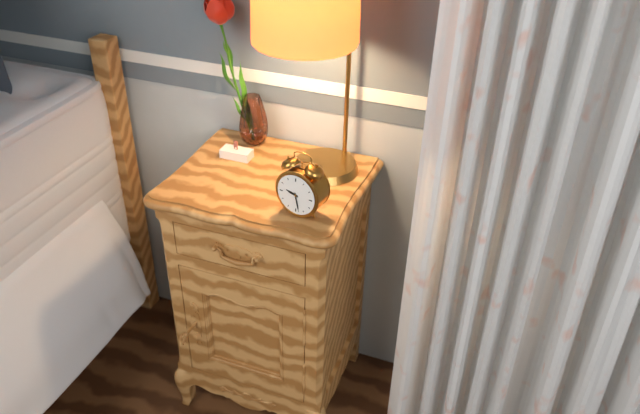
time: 9:28
